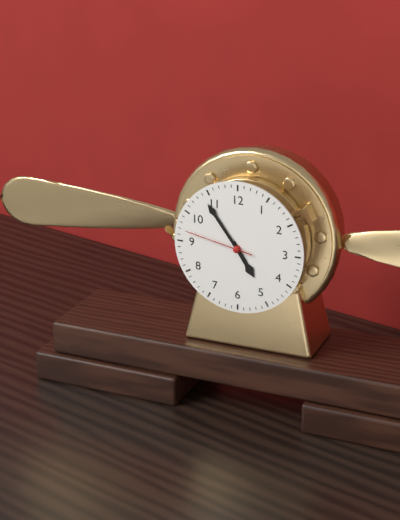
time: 4:54:47
